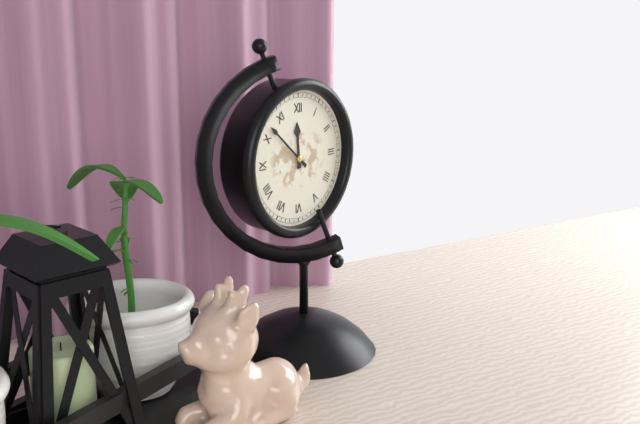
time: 11:52
